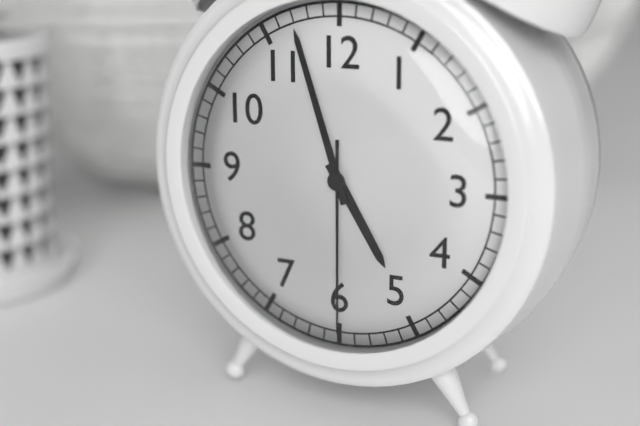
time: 4:57:30
